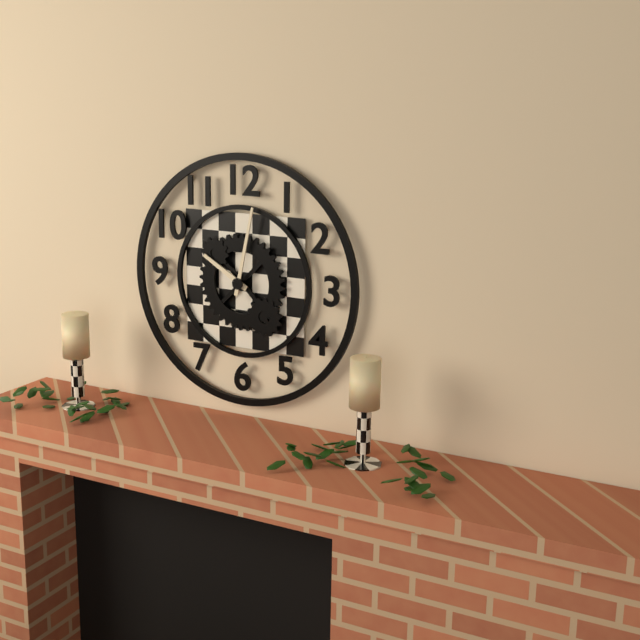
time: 10:02
